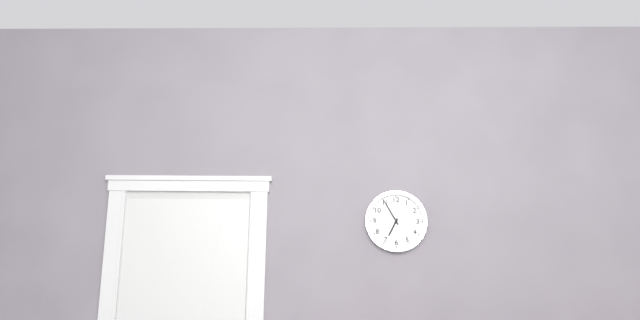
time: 6:55
